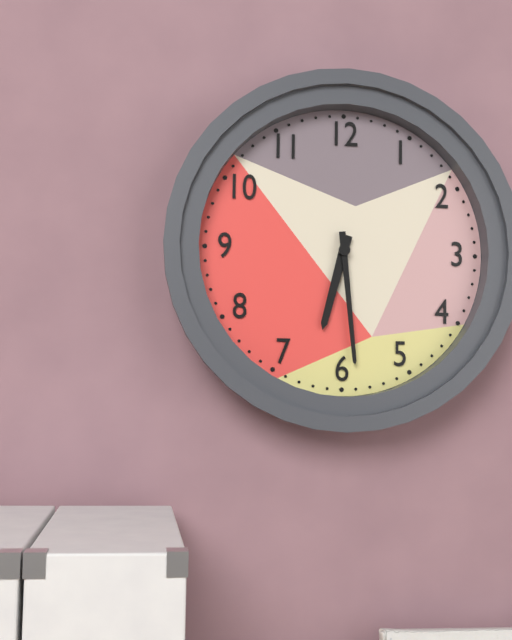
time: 6:29
